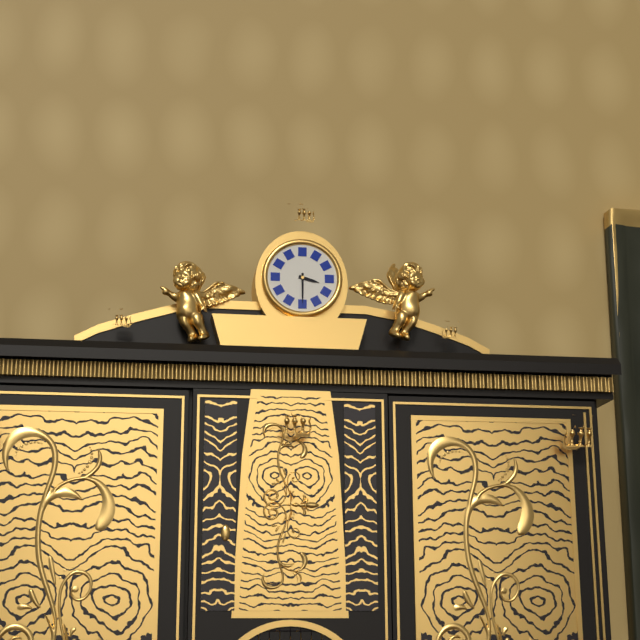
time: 3:30
